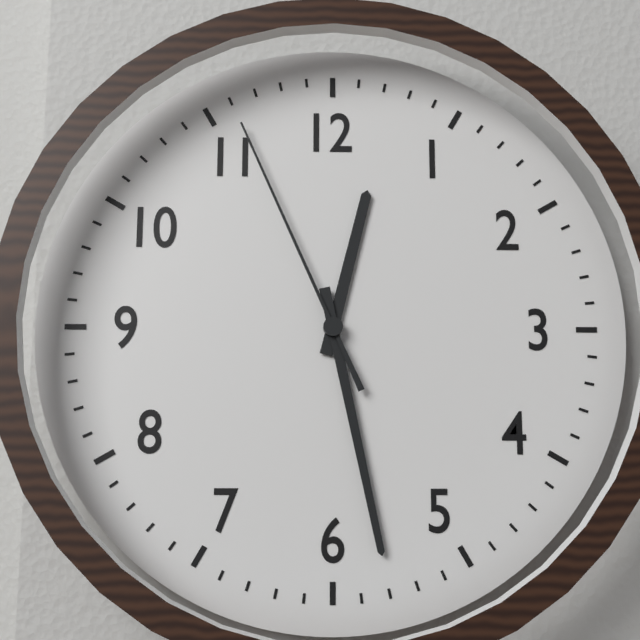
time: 12:28:56
